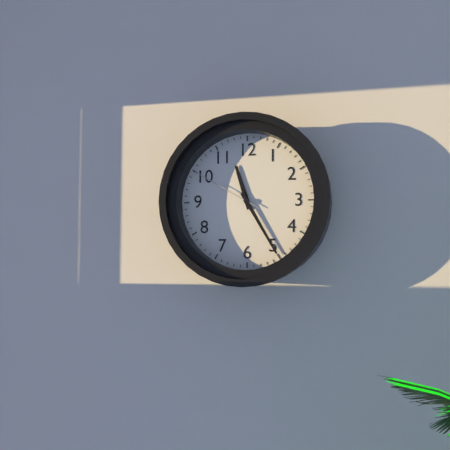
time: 11:25:50
